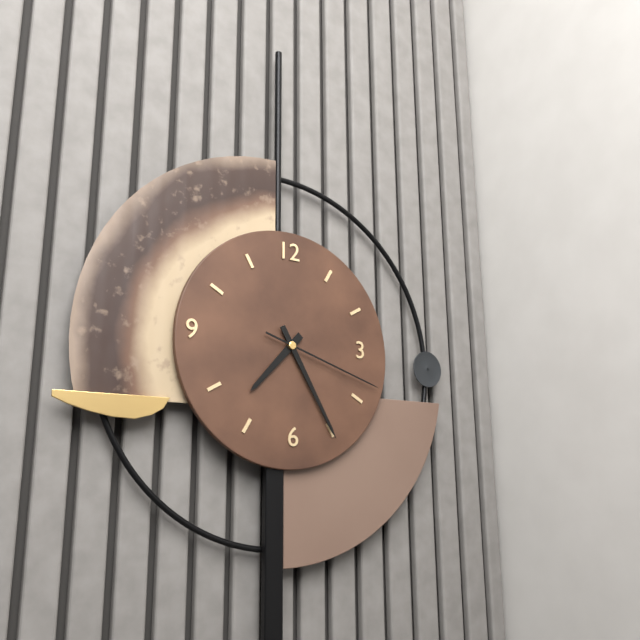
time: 7:25:18
